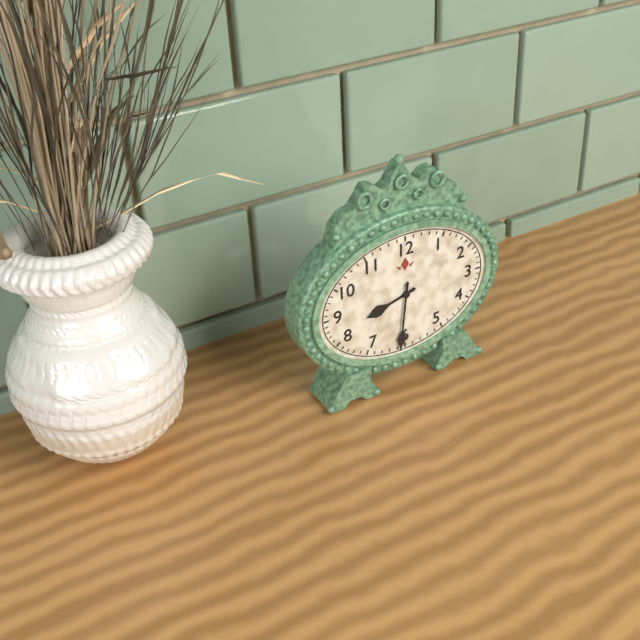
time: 8:31
